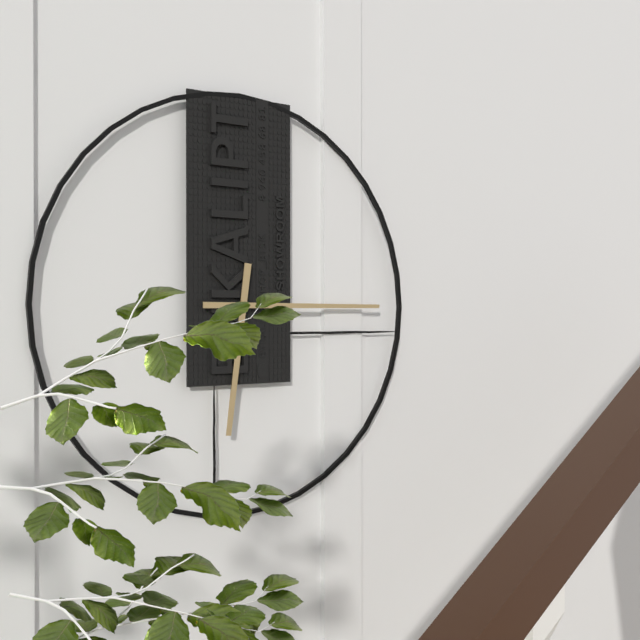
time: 6:15
